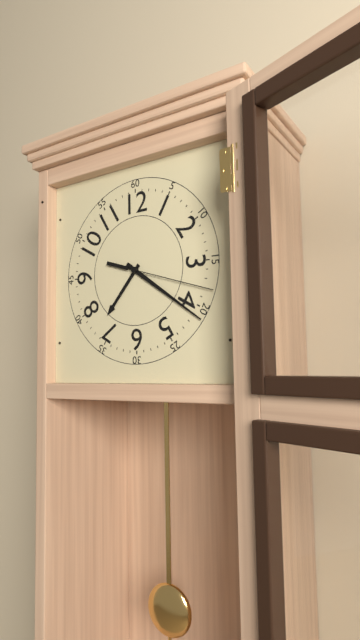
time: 7:21:18
